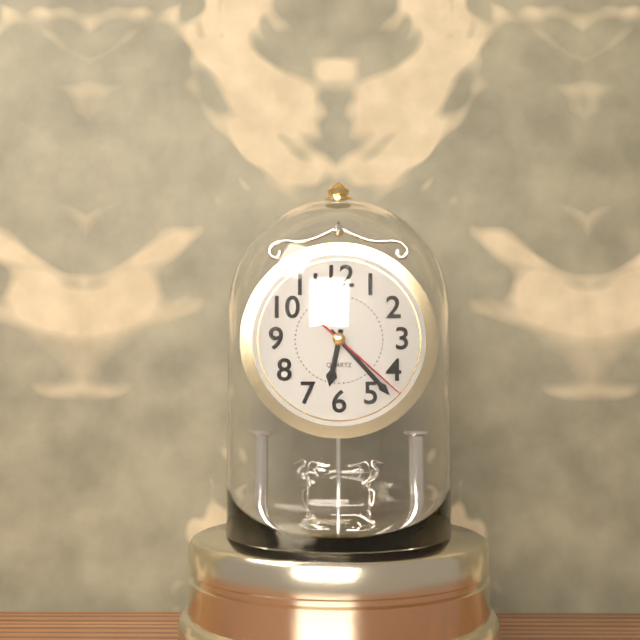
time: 6:23:22
